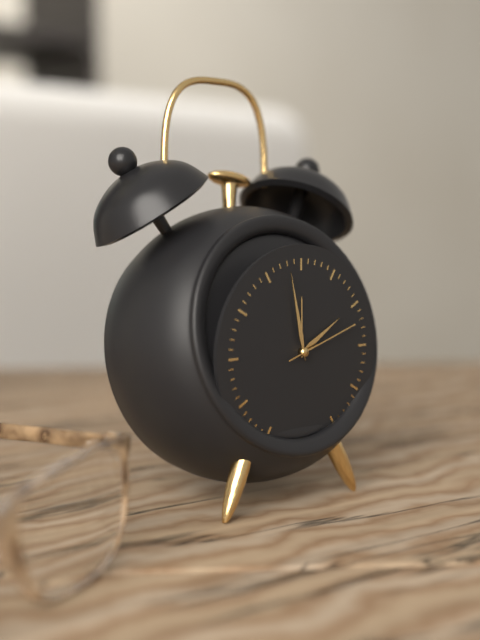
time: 1:58:12
